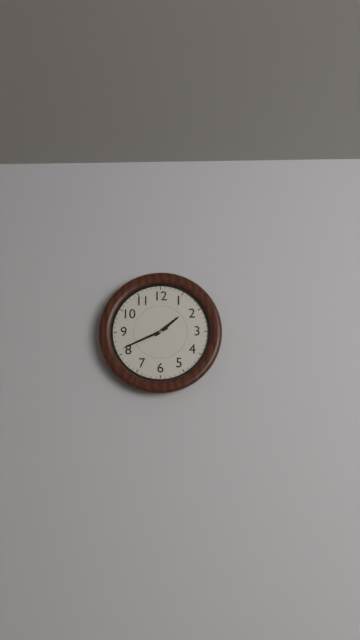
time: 1:41
